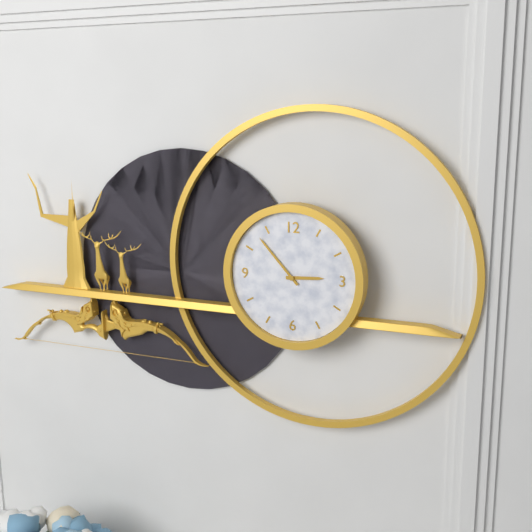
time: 2:53
